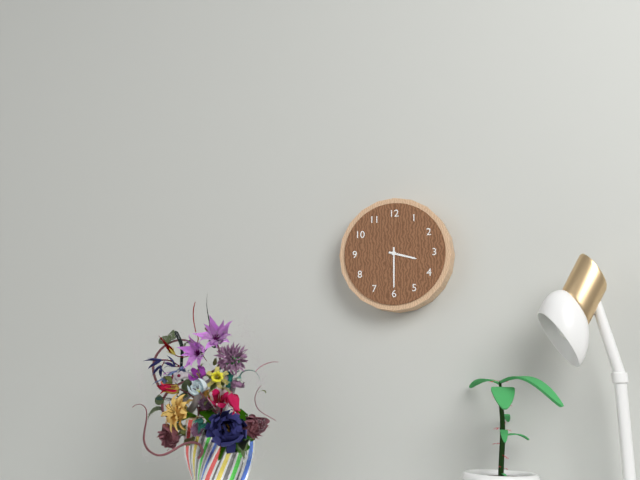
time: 3:30
